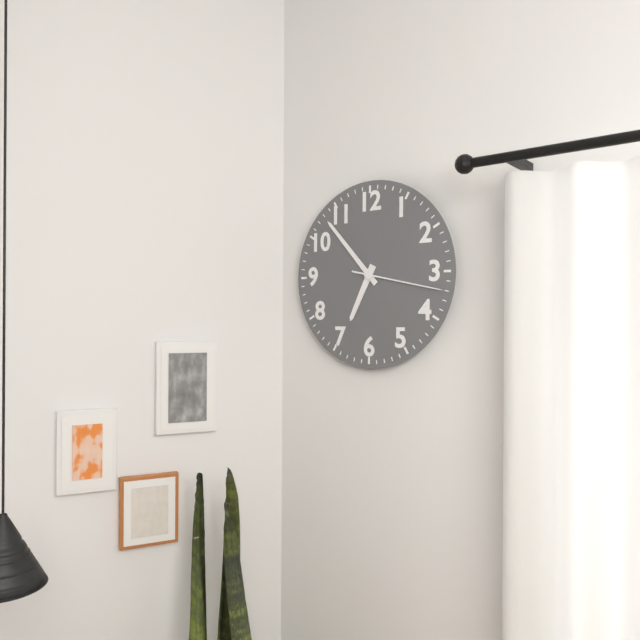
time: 6:53:17
